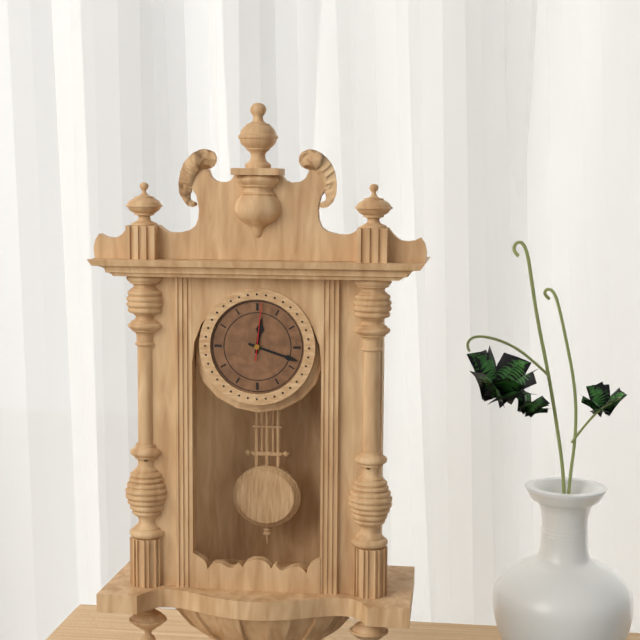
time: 12:18:01
